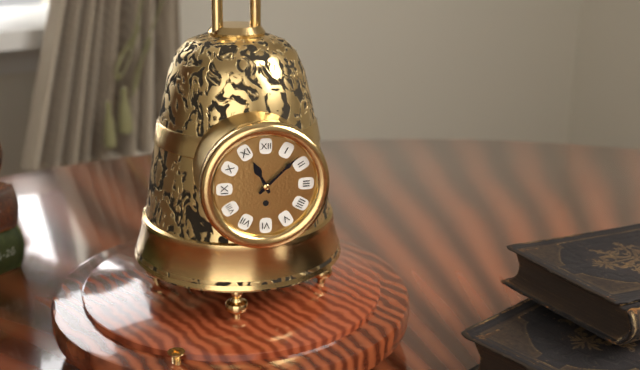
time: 11:08
